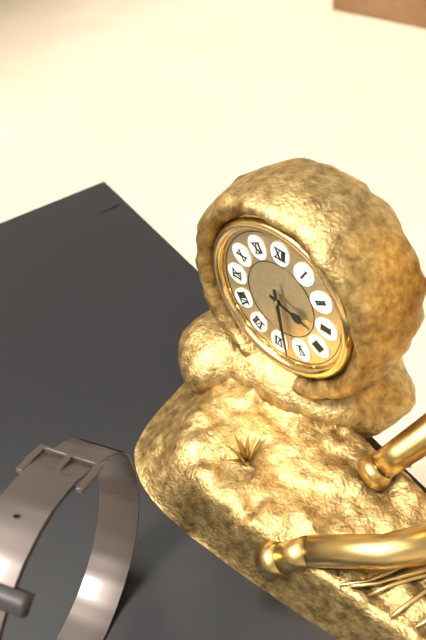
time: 3:28
